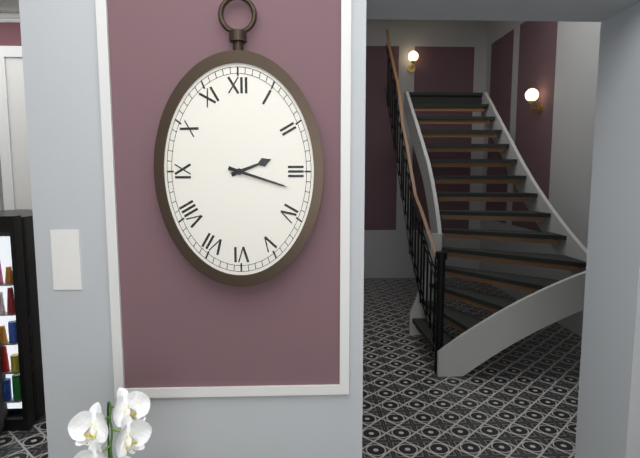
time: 2:18
